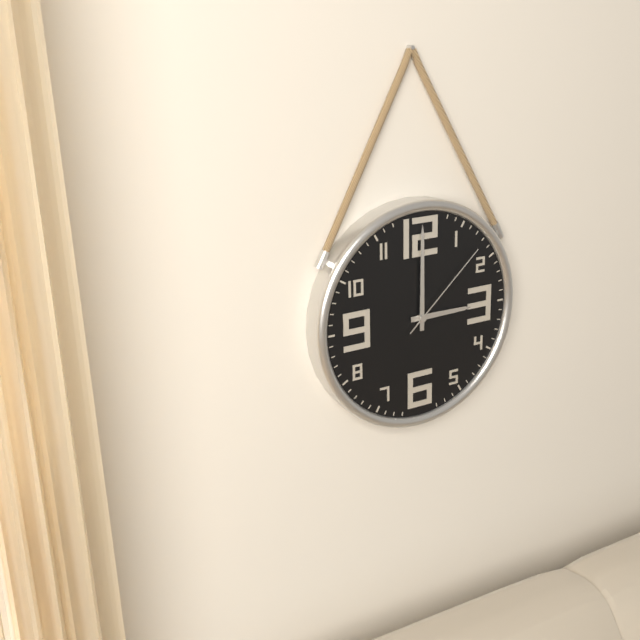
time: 3:00:08
